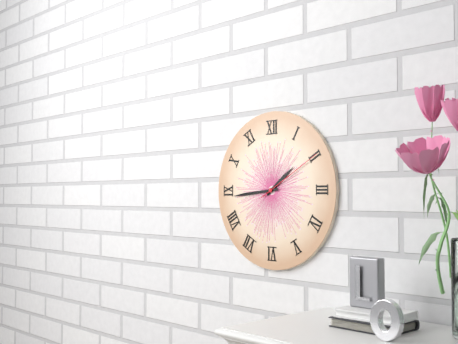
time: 1:44:10
